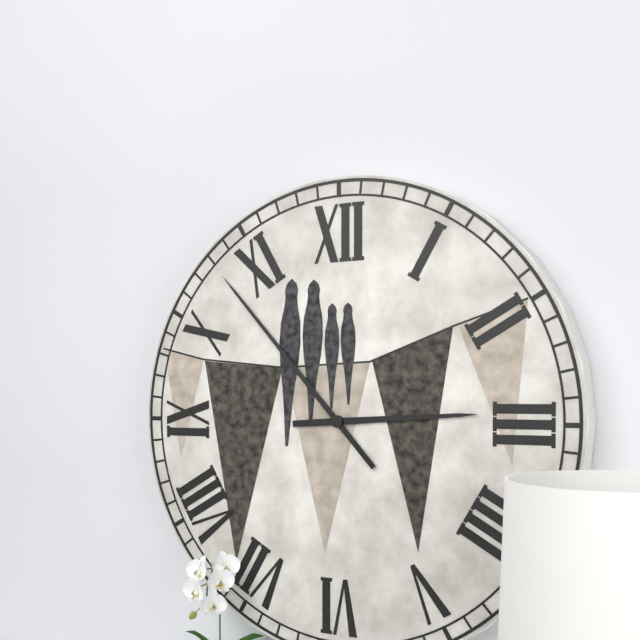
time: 2:53
